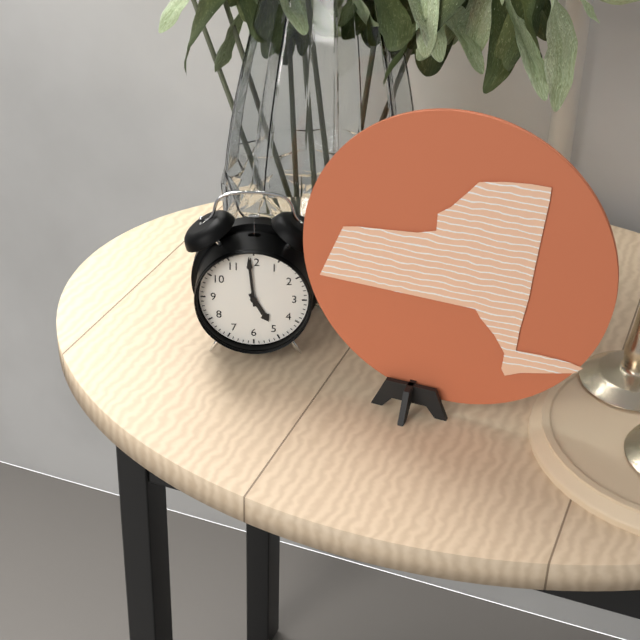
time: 4:59
